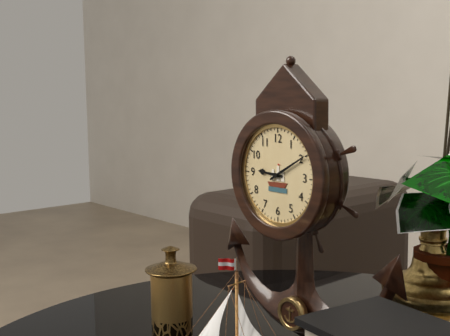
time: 9:10
